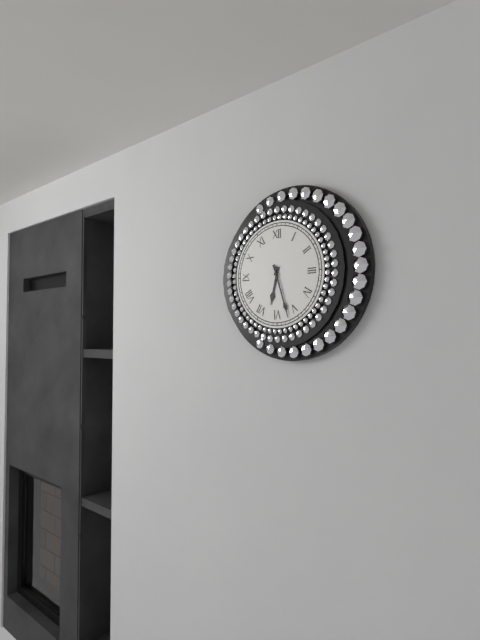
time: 6:27
